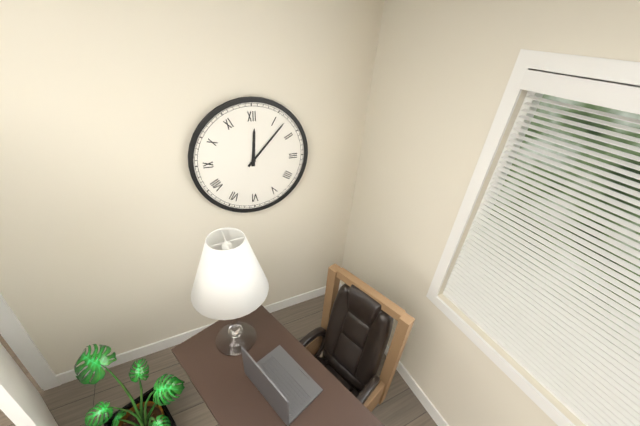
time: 12:07
